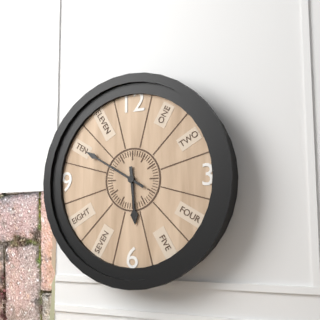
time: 5:50
